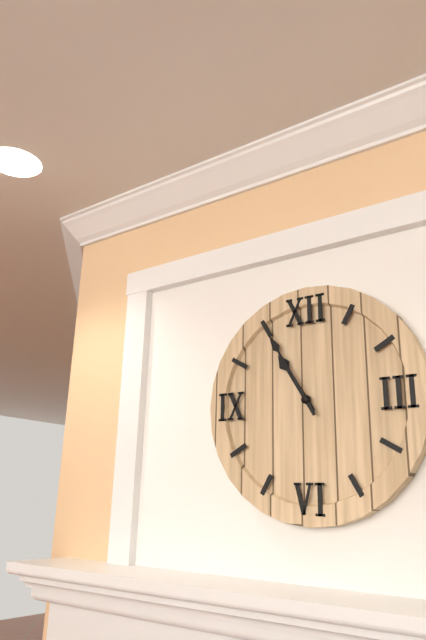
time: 10:55
